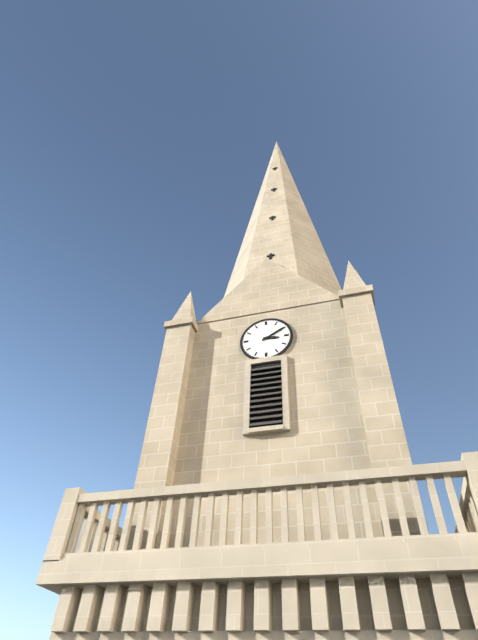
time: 3:10
